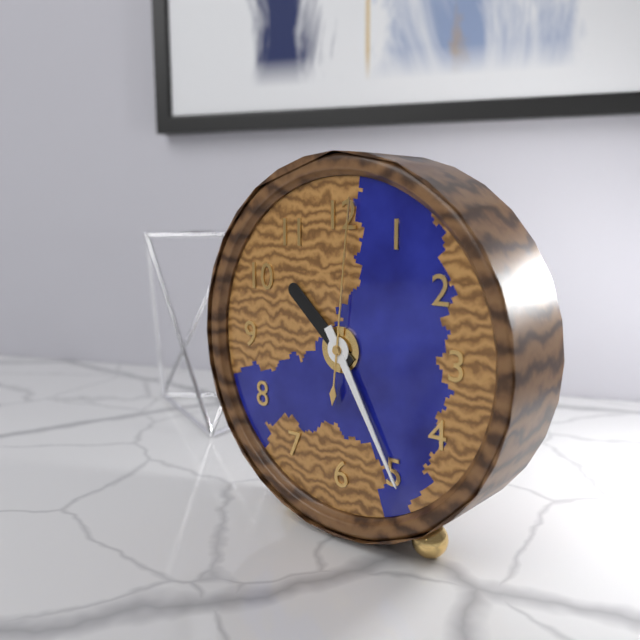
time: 10:25:01
